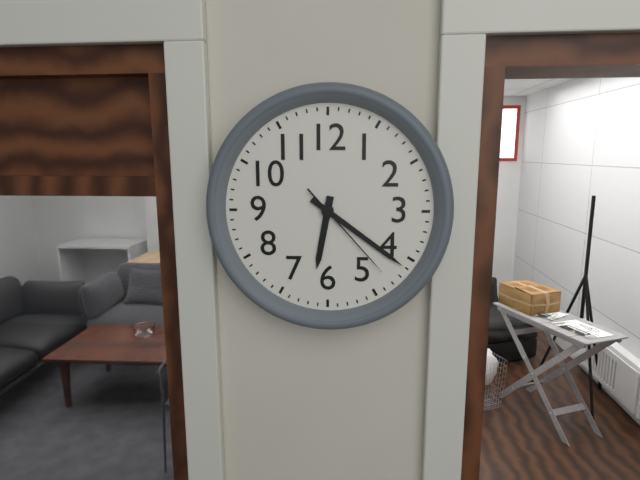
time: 6:21:23
